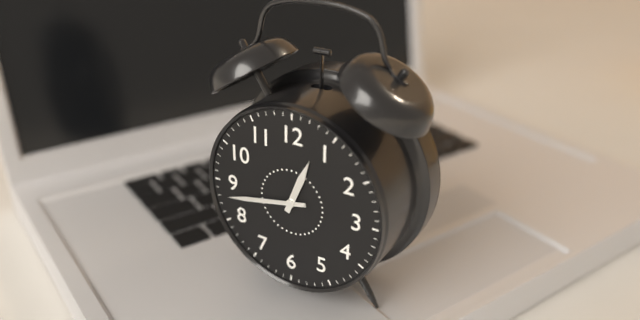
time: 12:43
